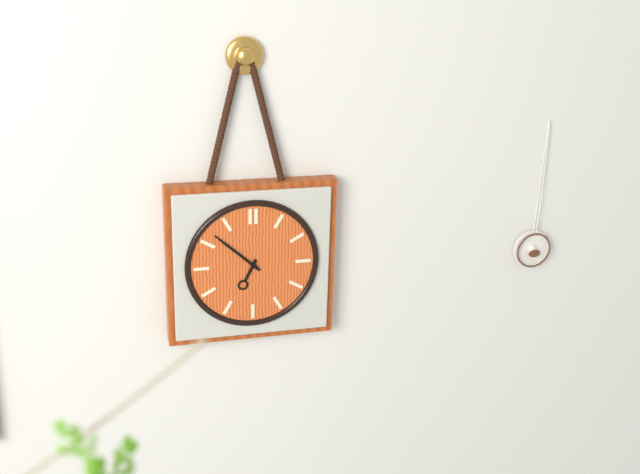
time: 6:52
